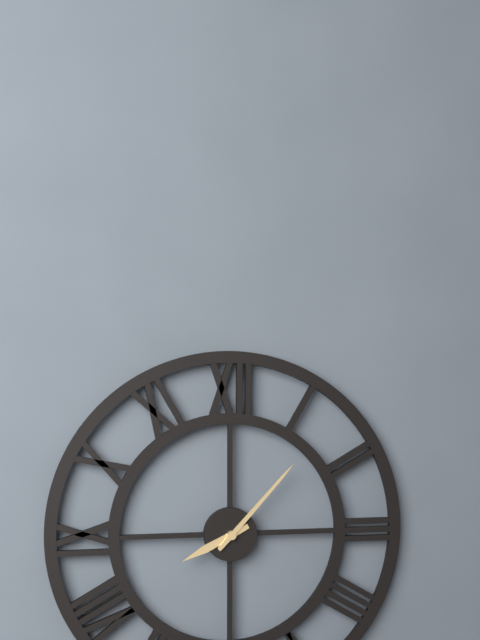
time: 8:07
